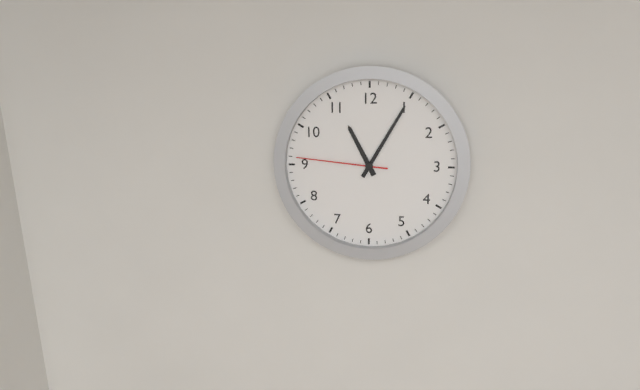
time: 11:05:46
